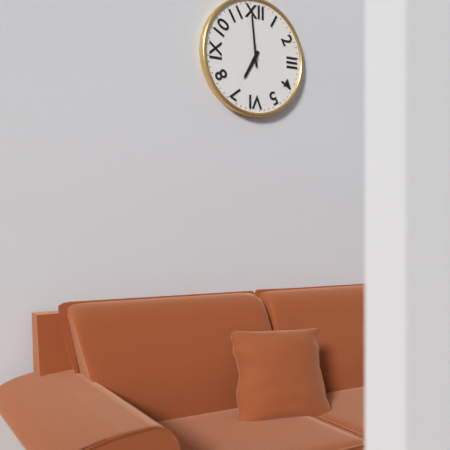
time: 6:59
